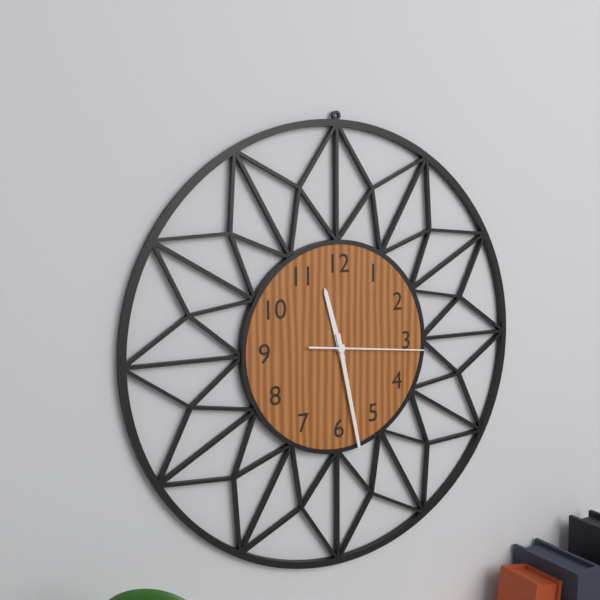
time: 11:28:16
